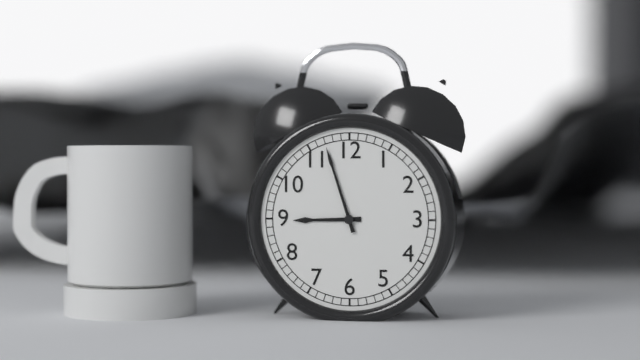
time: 8:57
